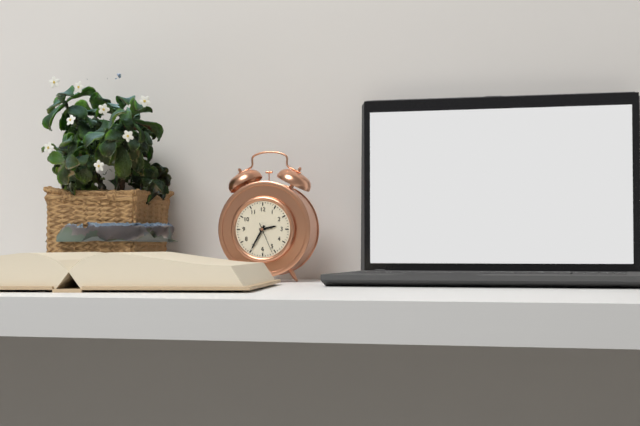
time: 2:35
